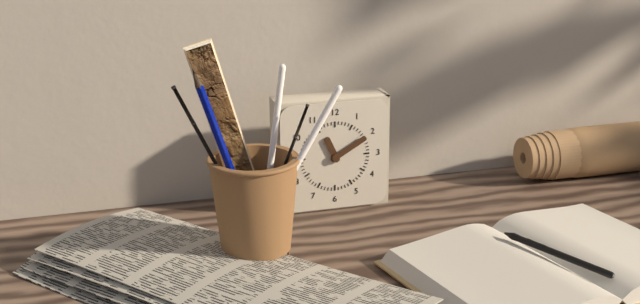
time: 11:10
